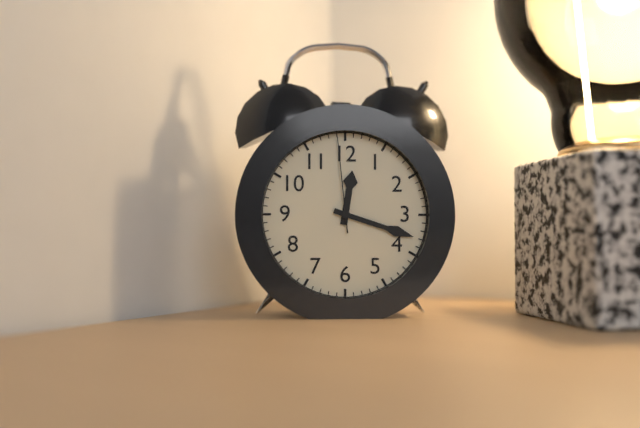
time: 12:18:59
